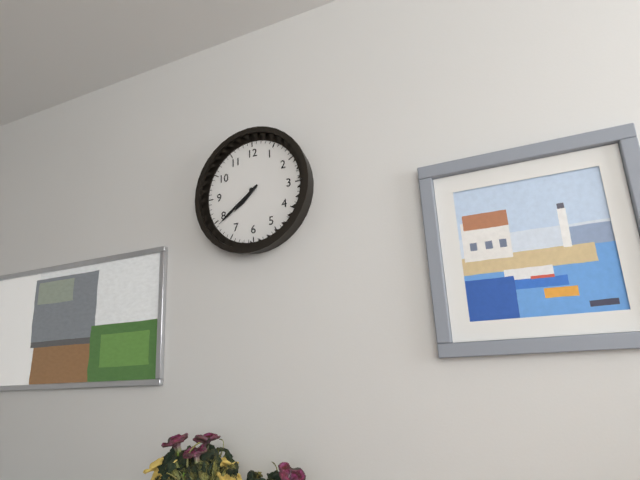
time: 7:39
